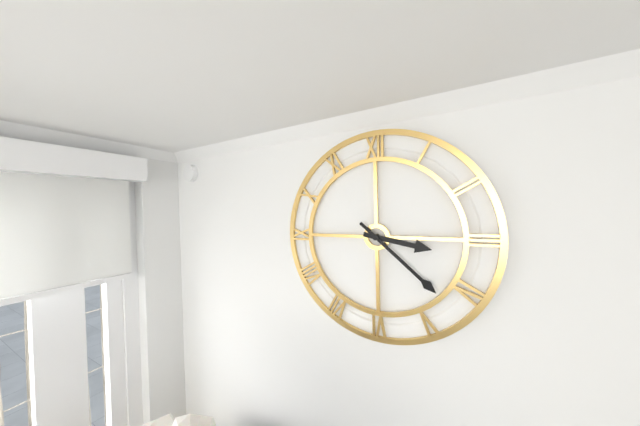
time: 3:22
